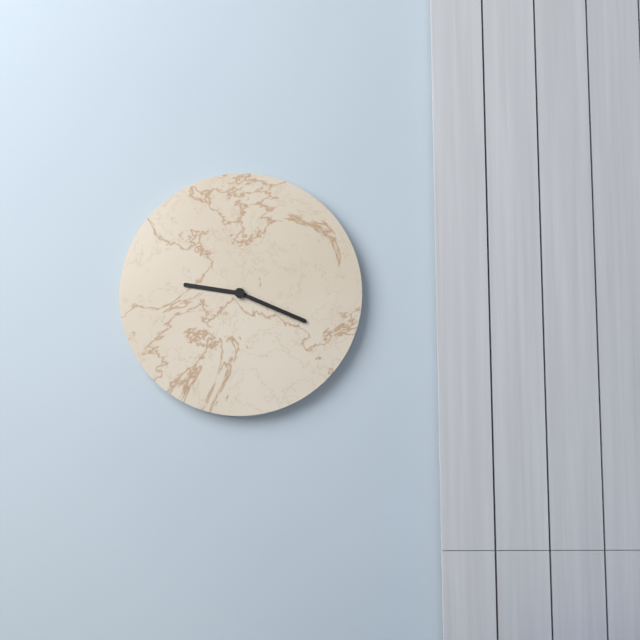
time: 9:19
